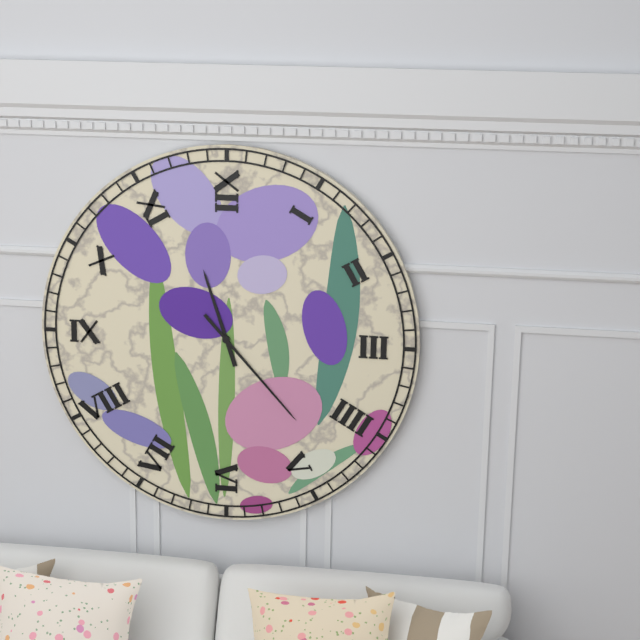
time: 11:23
